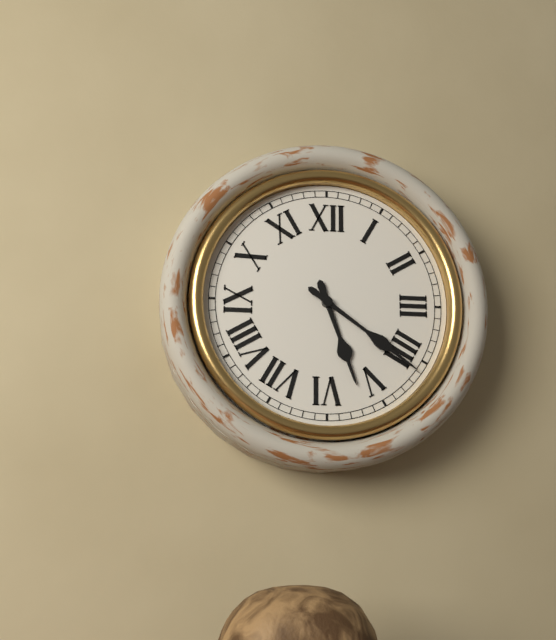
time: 5:21
